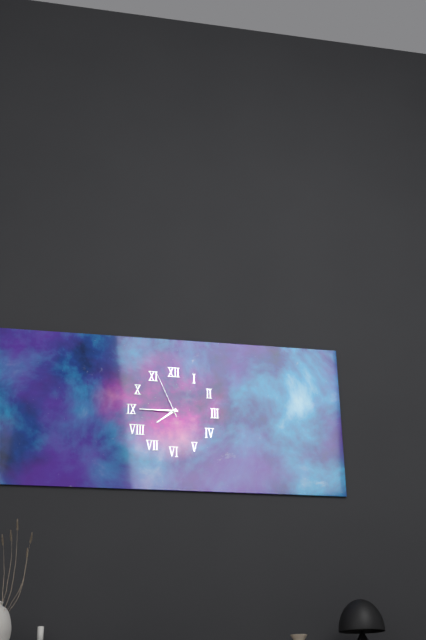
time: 7:45:56
